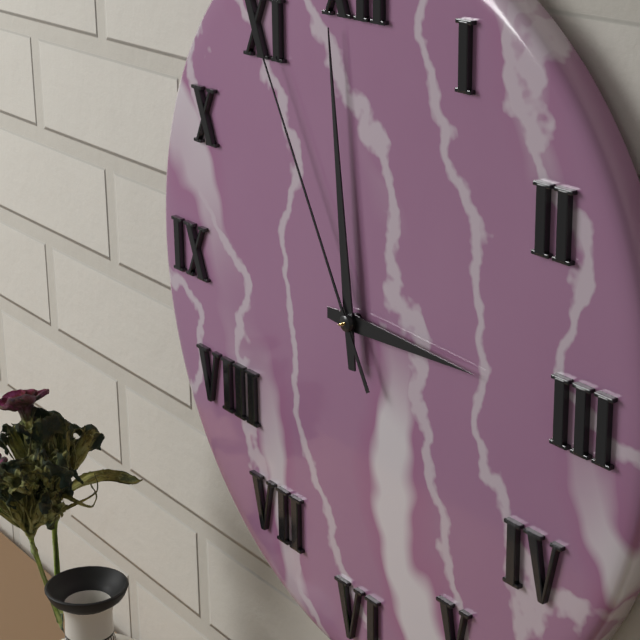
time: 2:59:55
